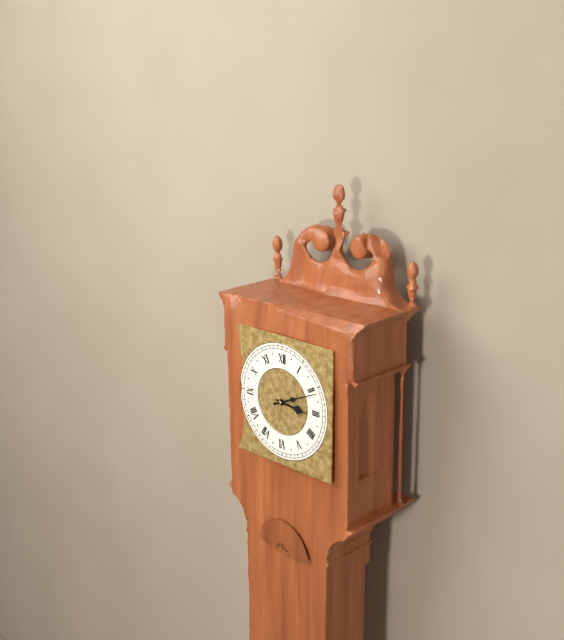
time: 3:11
